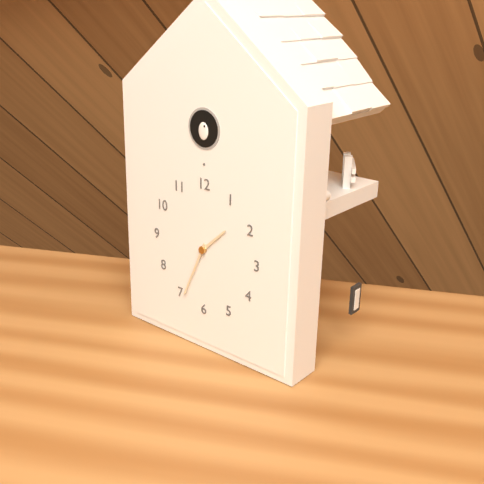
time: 1:34
